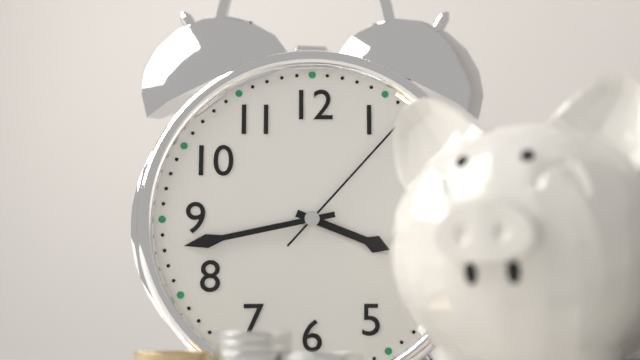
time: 3:43:07
